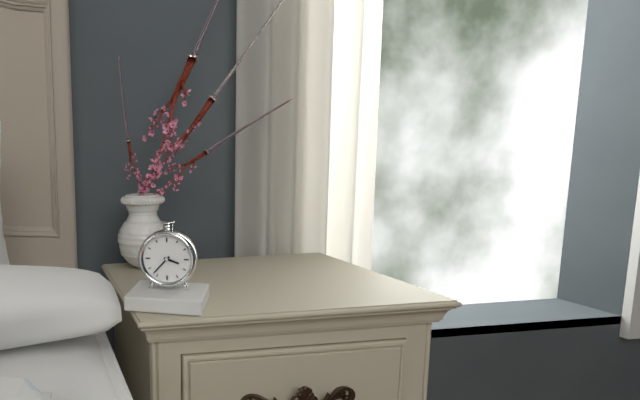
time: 3:37
